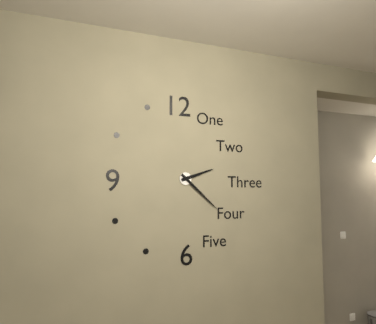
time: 2:22
